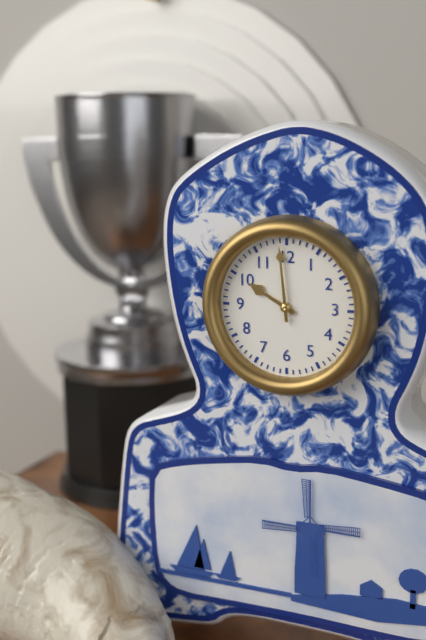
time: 9:59
